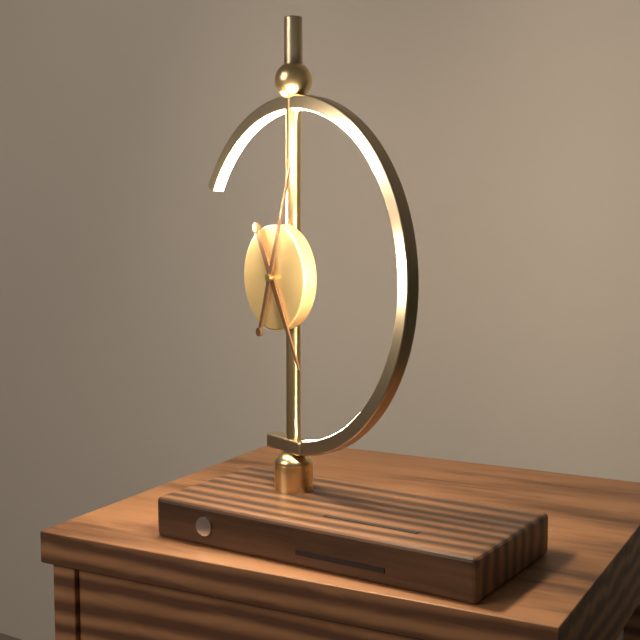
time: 5:03
